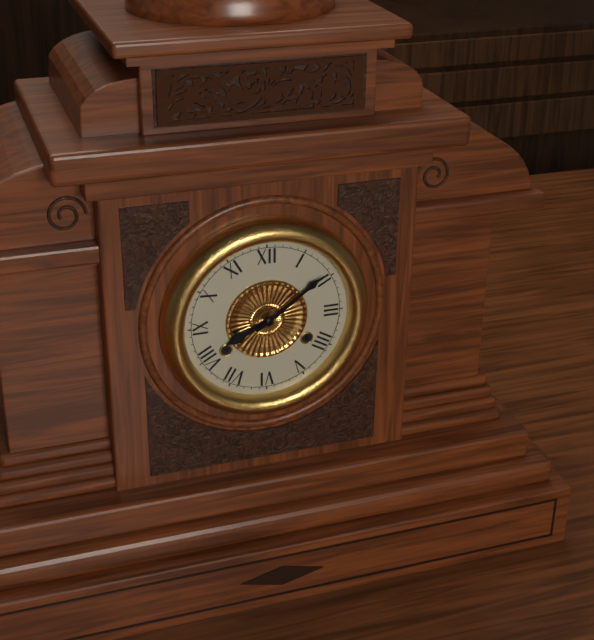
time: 8:09
